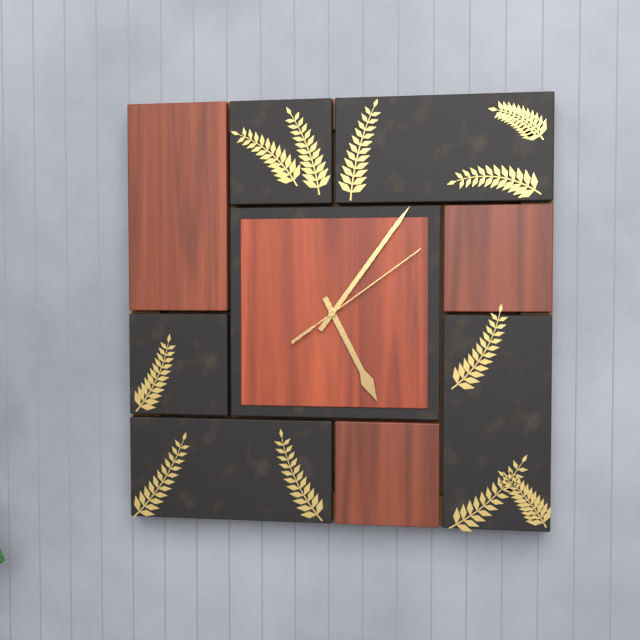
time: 5:06:09
